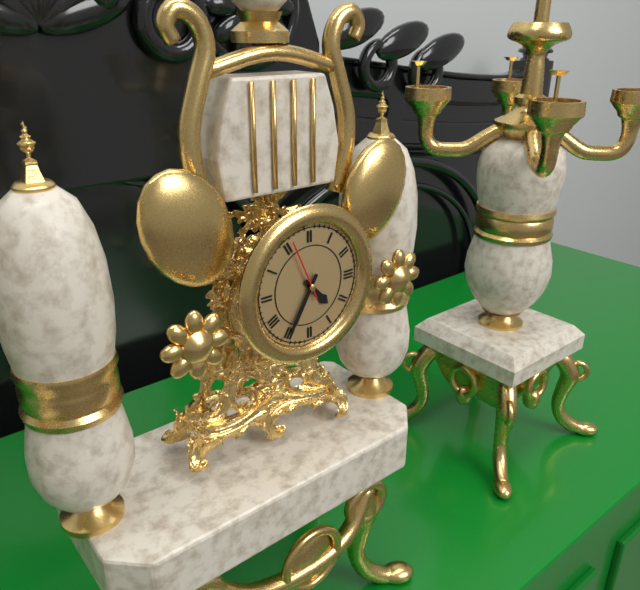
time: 4:35:56
